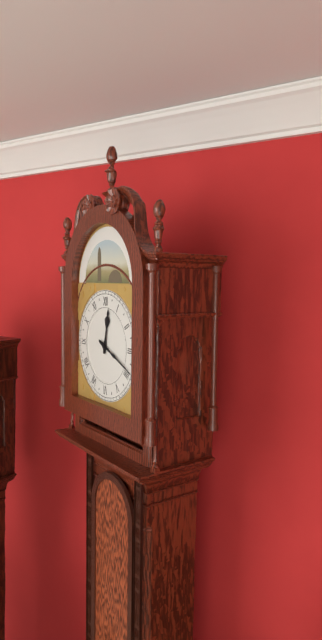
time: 12:19
